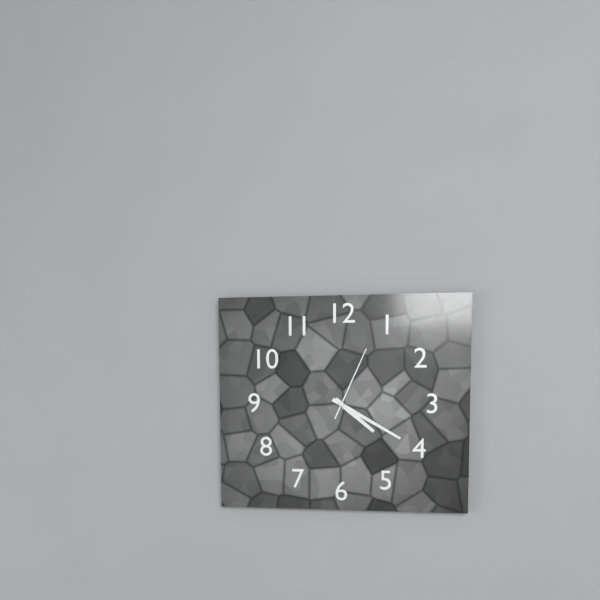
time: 4:20:04
